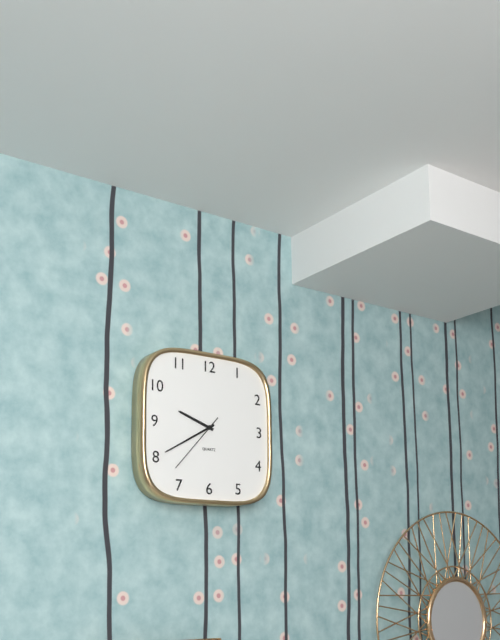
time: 9:40:37
